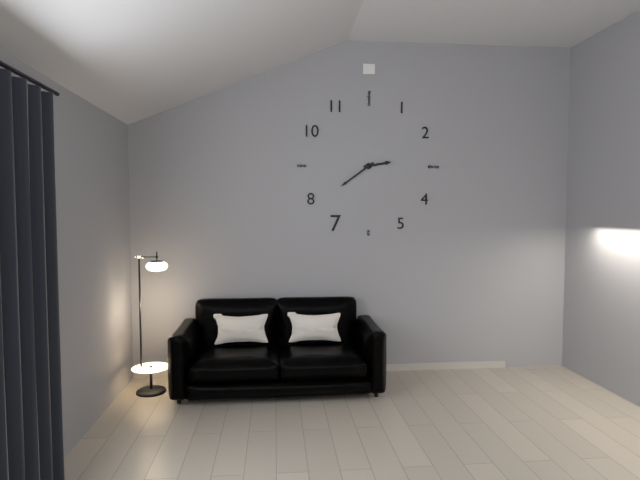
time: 2:39
